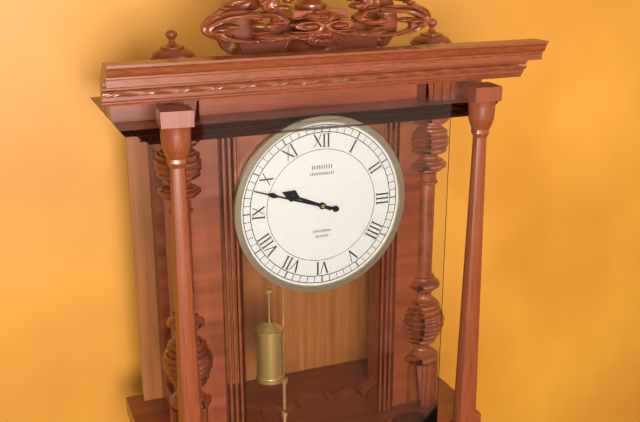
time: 9:48
